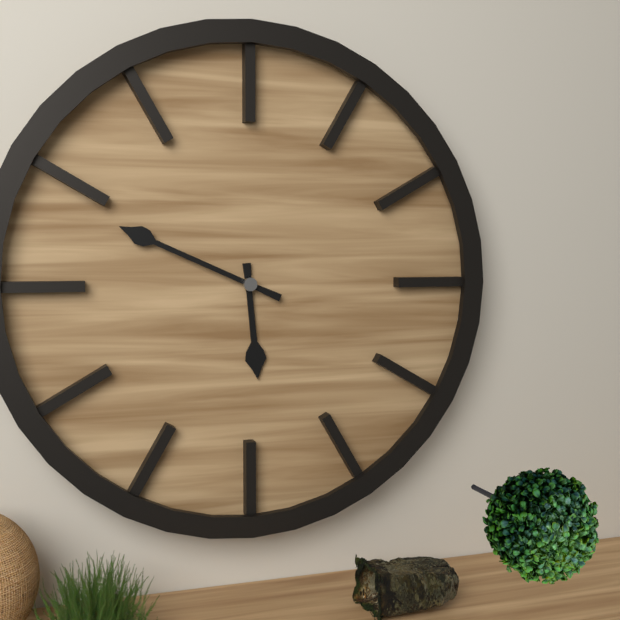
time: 5:49
